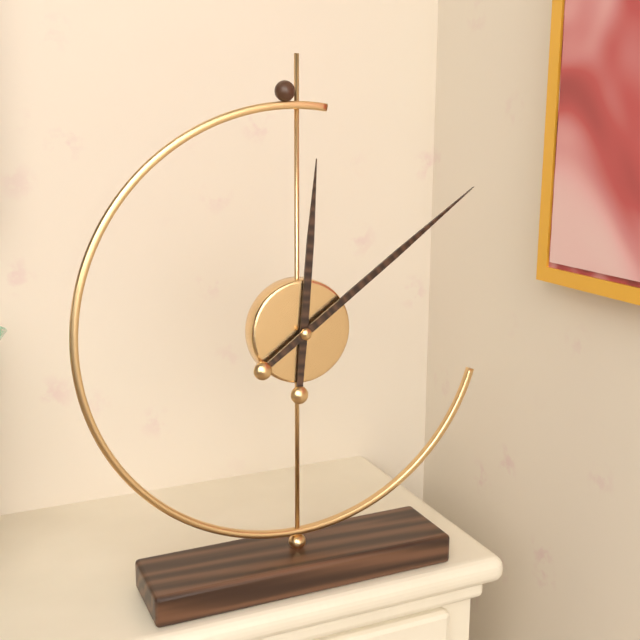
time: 12:09
